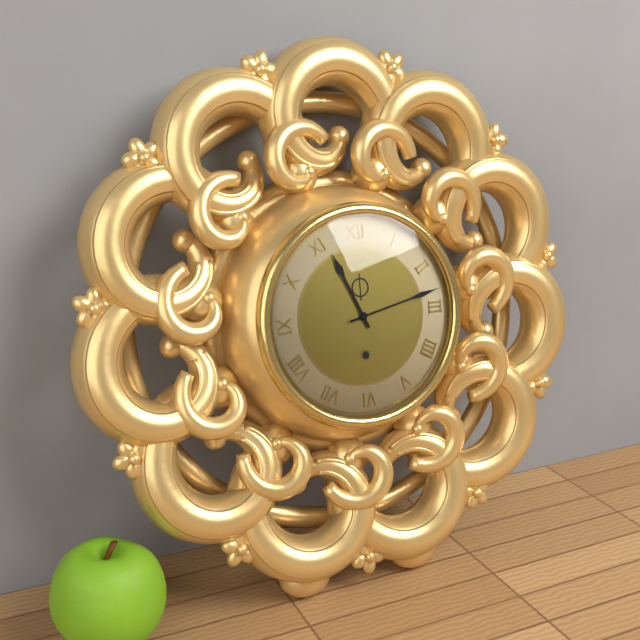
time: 11:13
